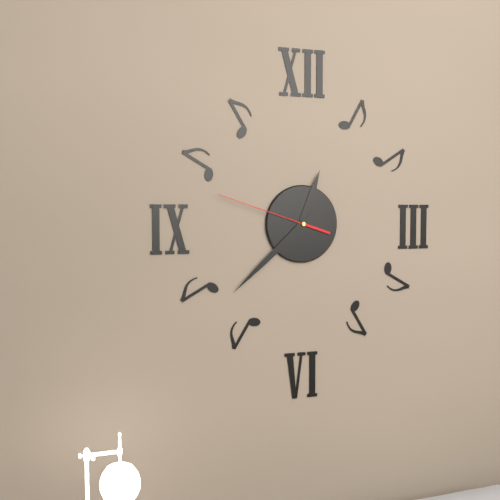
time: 12:38:48
